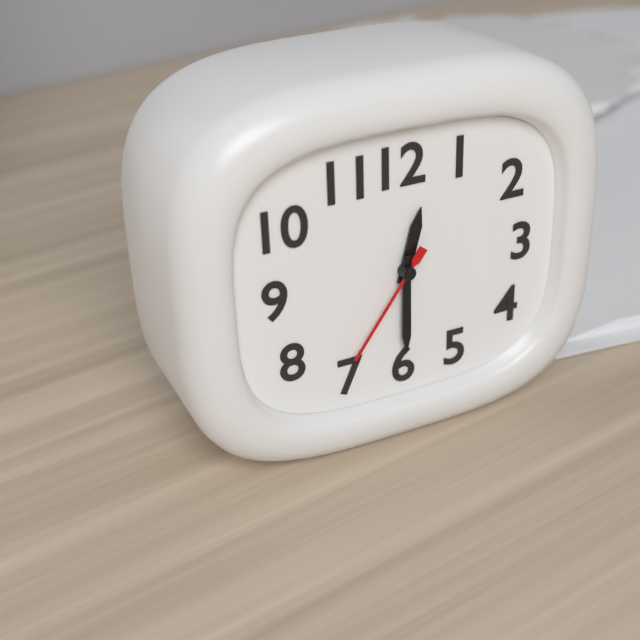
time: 12:30:36
